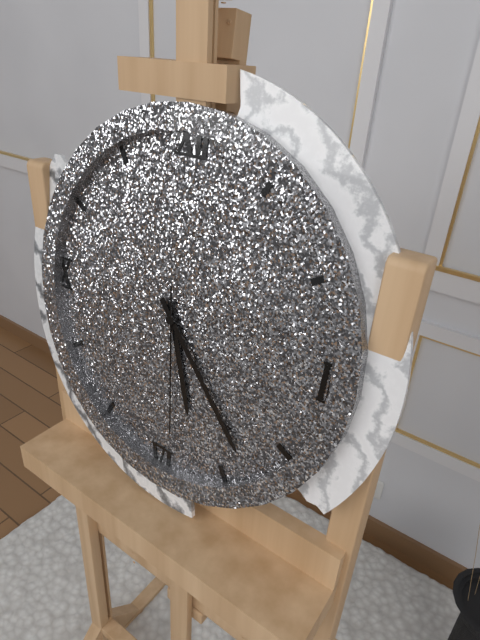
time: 5:23:29
